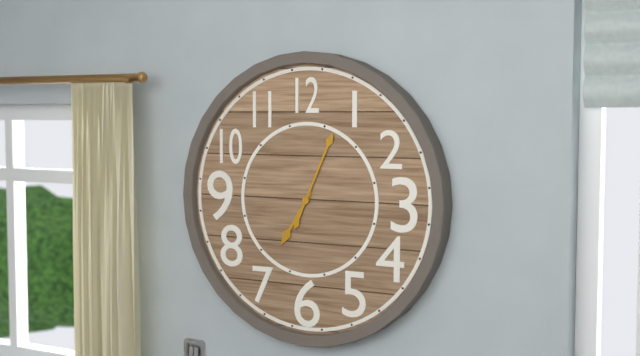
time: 7:04
